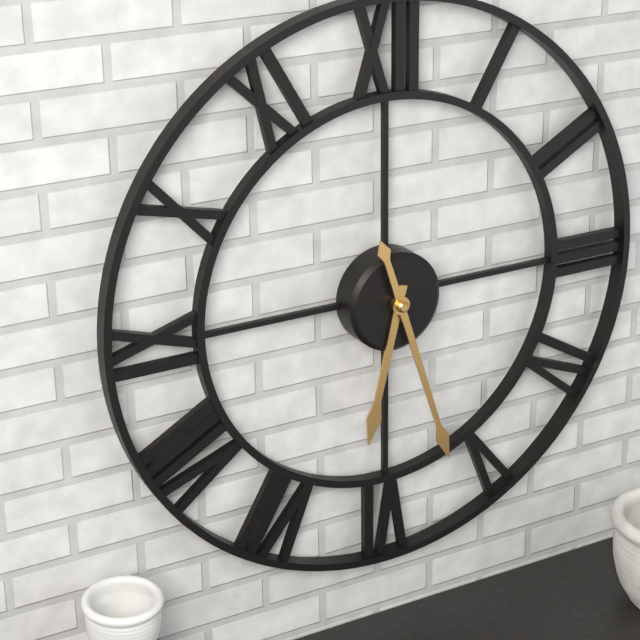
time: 6:27
